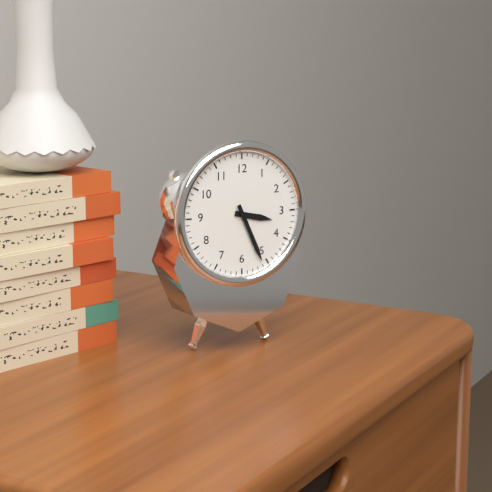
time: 3:26
